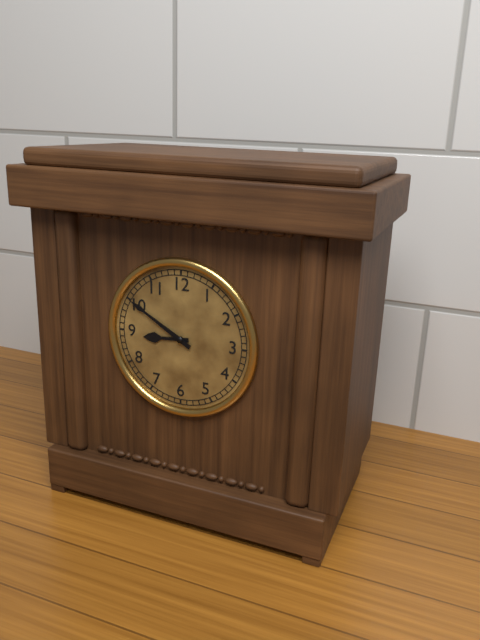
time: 8:50
